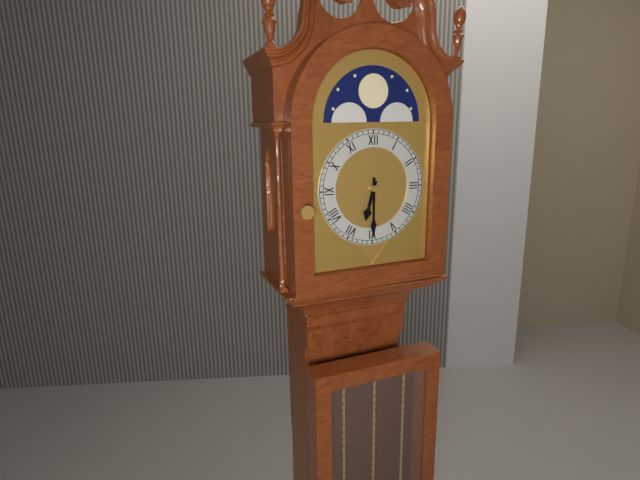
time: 6:30
